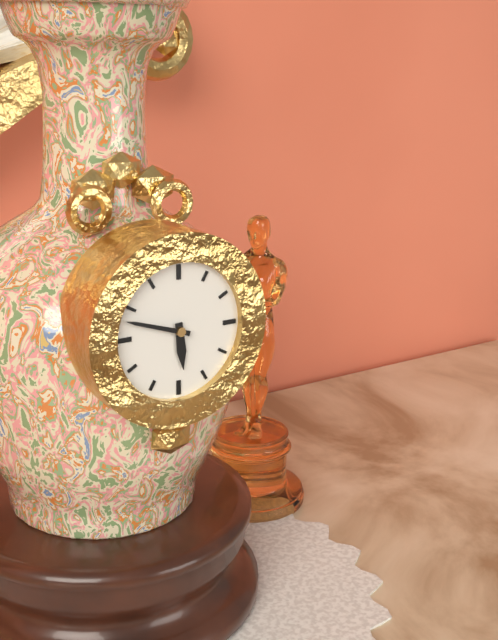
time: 5:48
